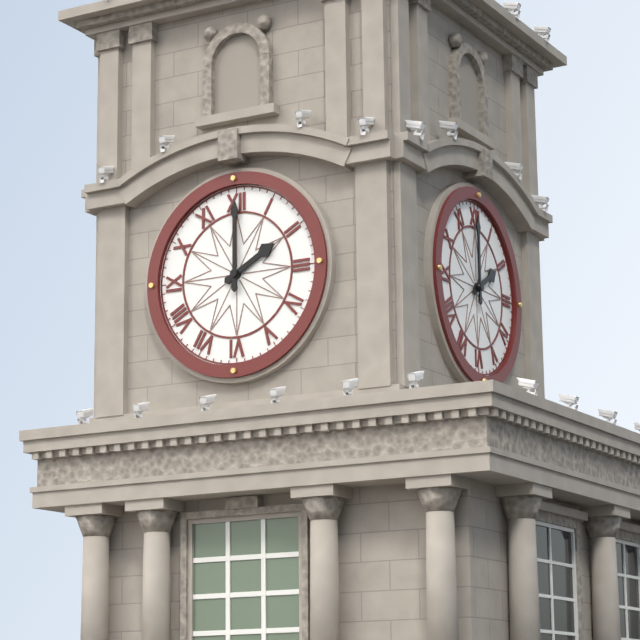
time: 2:00
